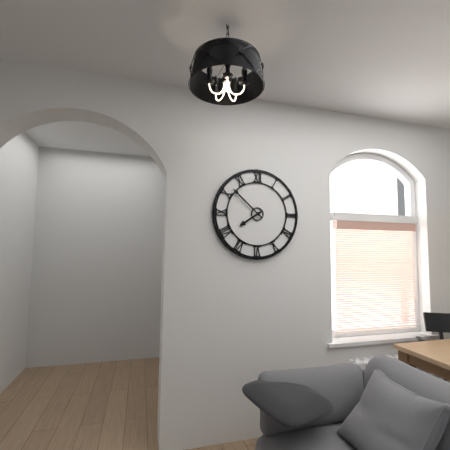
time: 7:52
